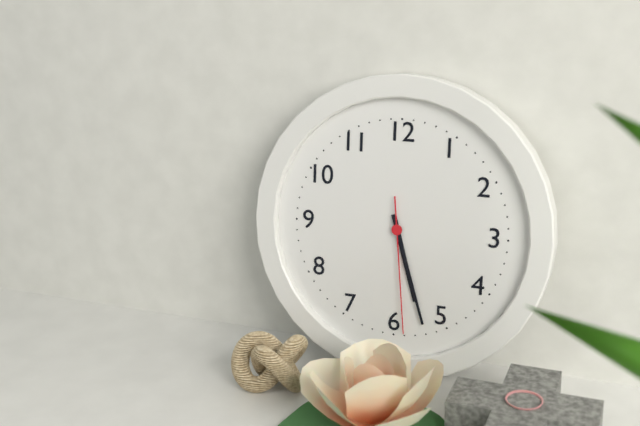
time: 5:27:29
